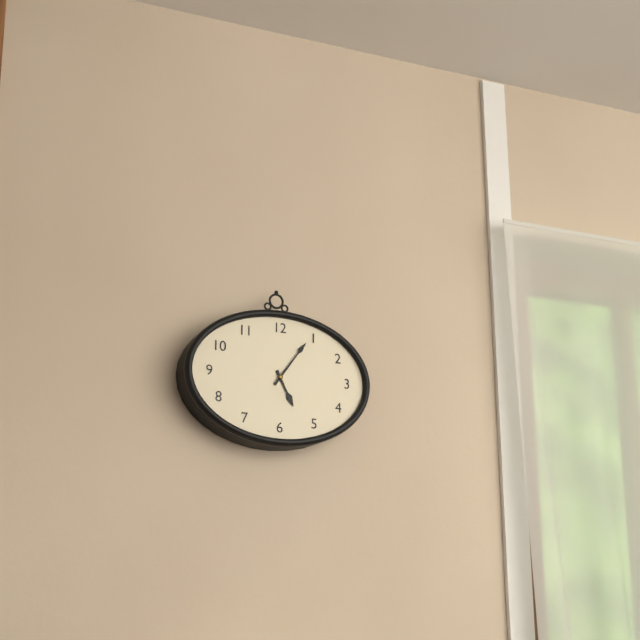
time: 5:06
